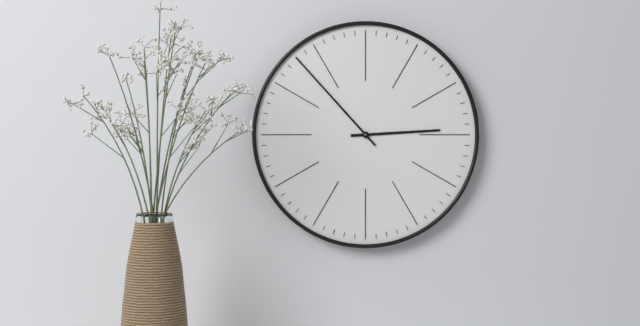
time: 2:53
